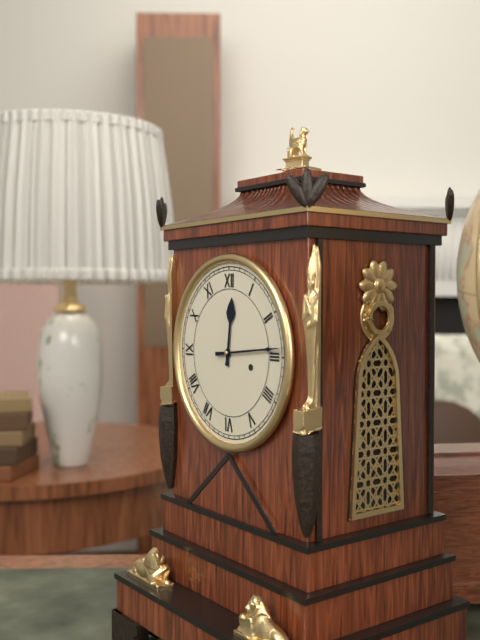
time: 12:14
